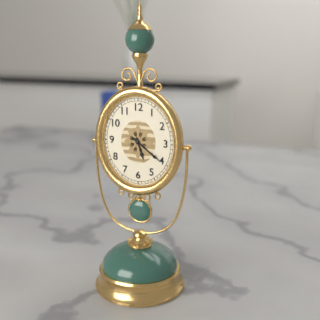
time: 5:21
